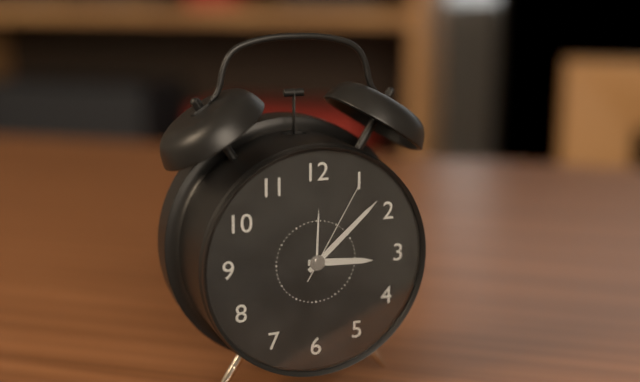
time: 3:08:05
